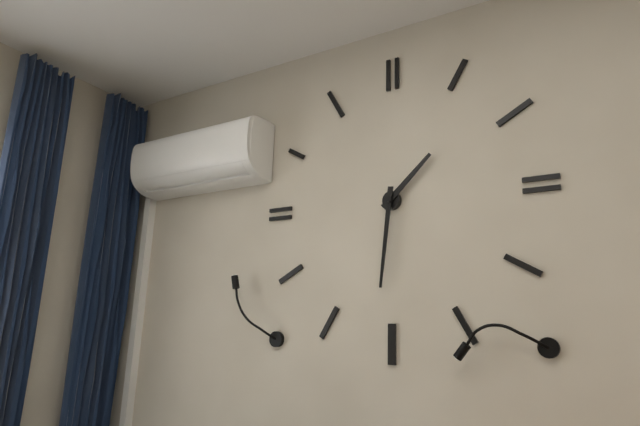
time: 1:31
